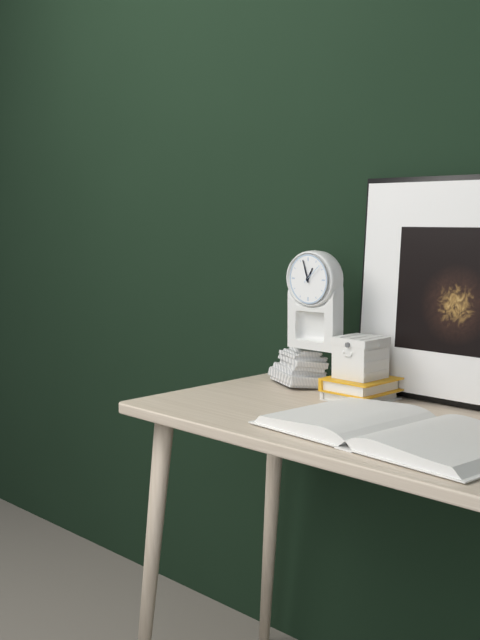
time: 12:57
